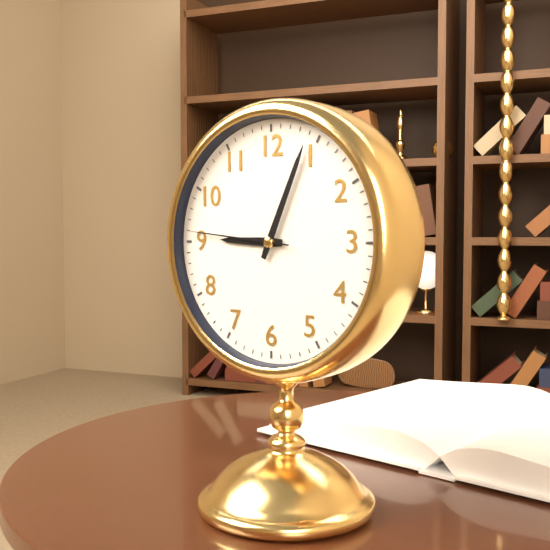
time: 9:04:46
